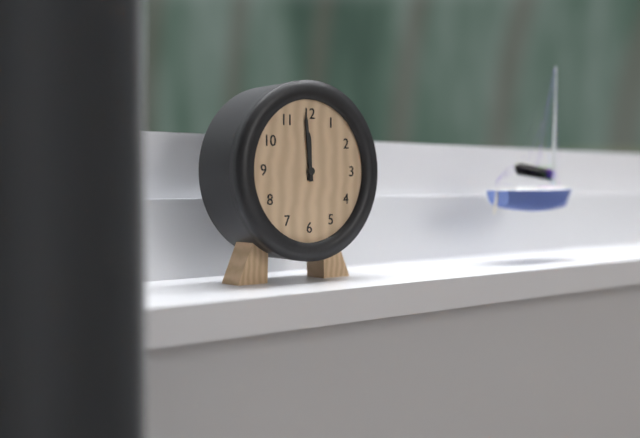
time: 11:59
